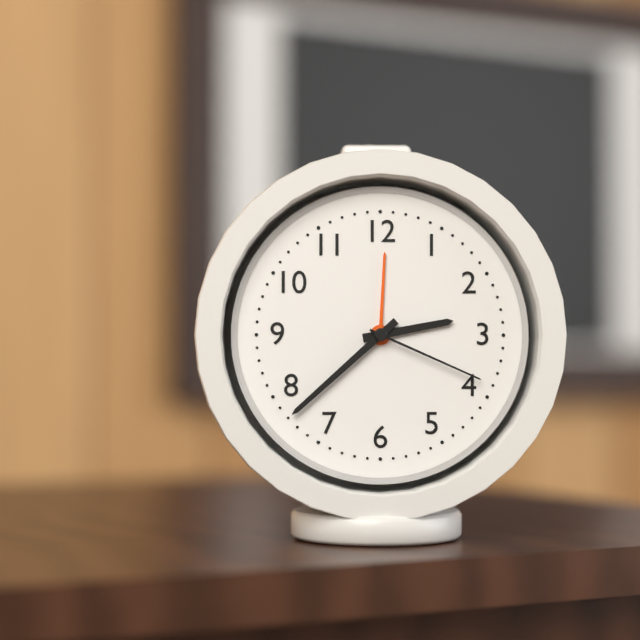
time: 2:38:19
